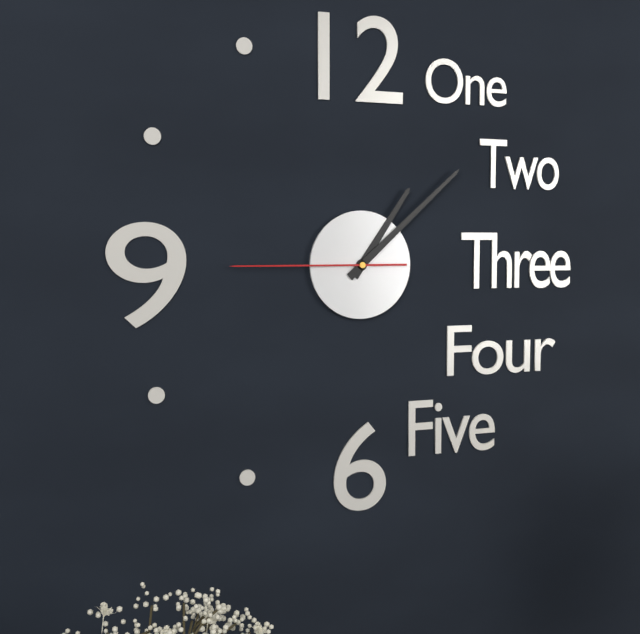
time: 1:08:45
